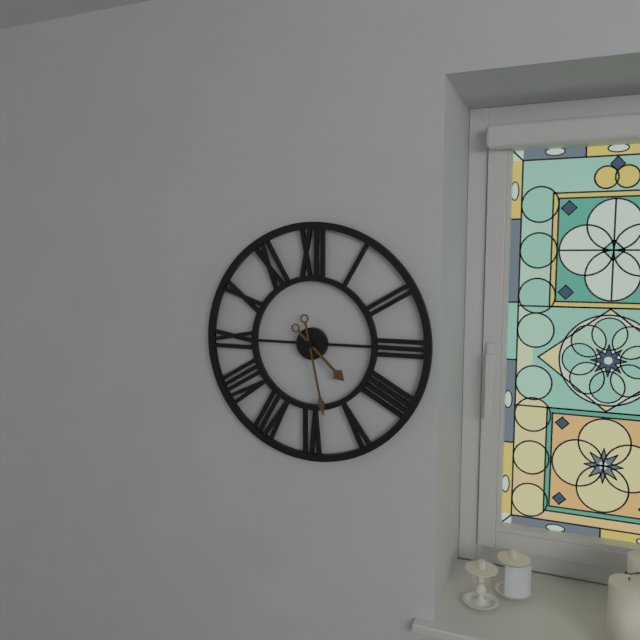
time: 4:28
